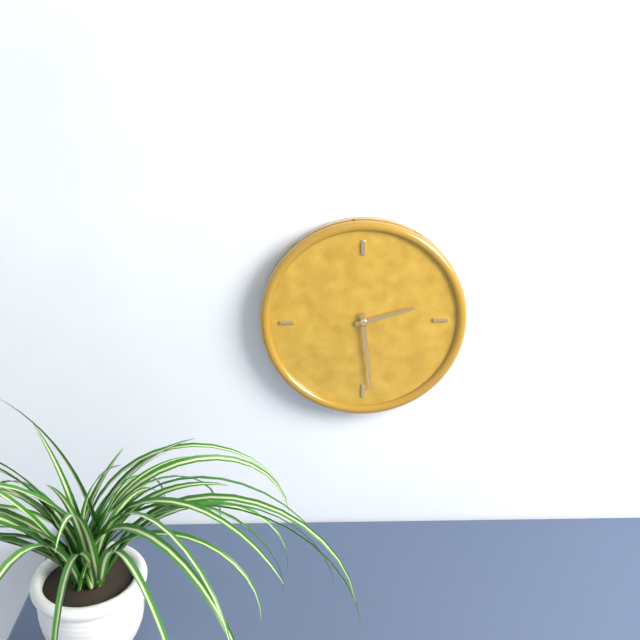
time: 2:29
